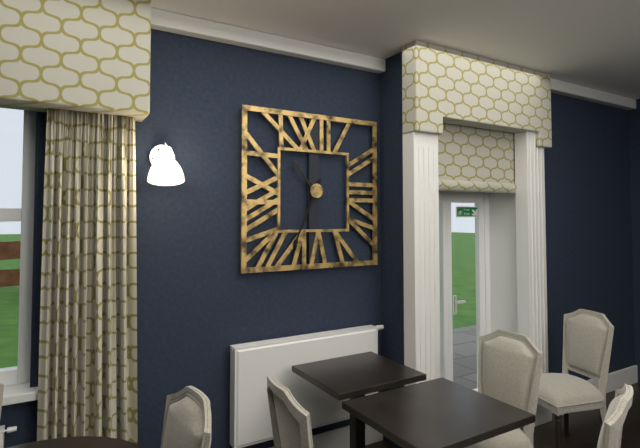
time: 10:34
